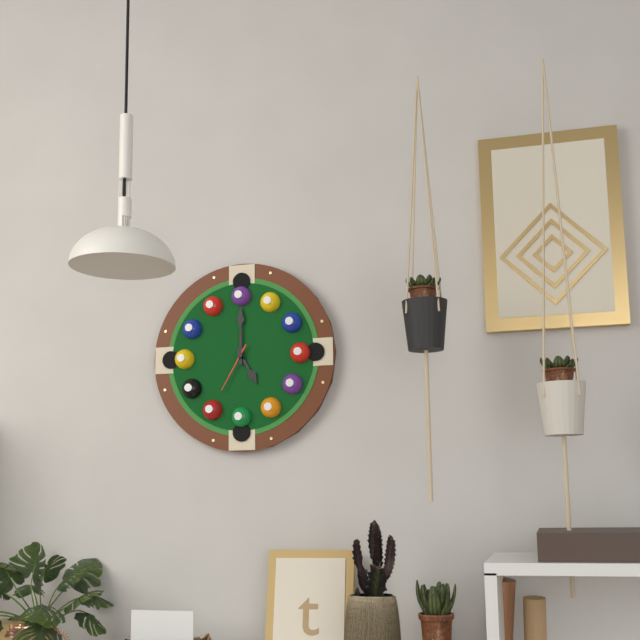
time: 5:00
